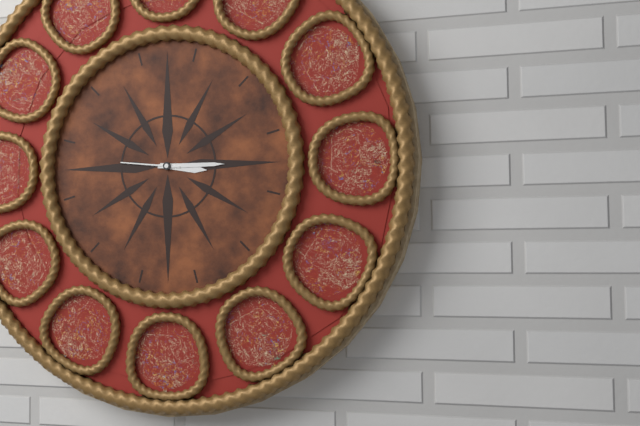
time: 3:15:46
